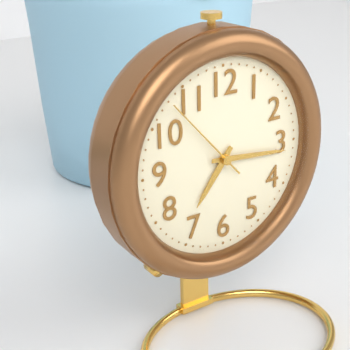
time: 7:16:53
